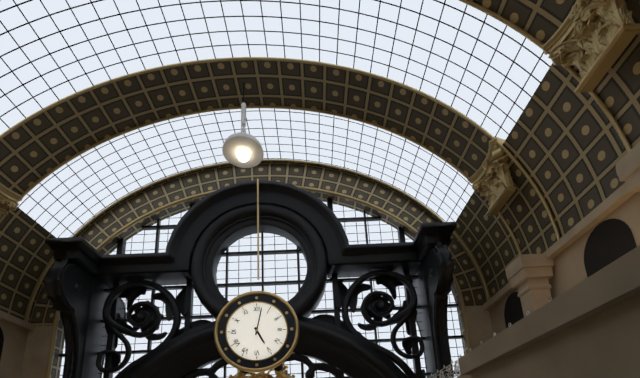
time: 5:02
